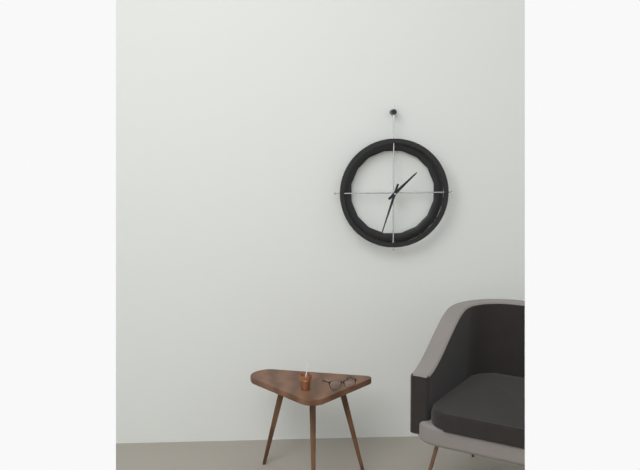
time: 1:33
